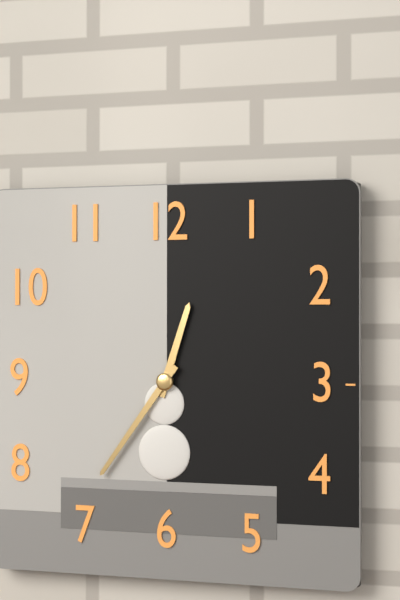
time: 12:36
